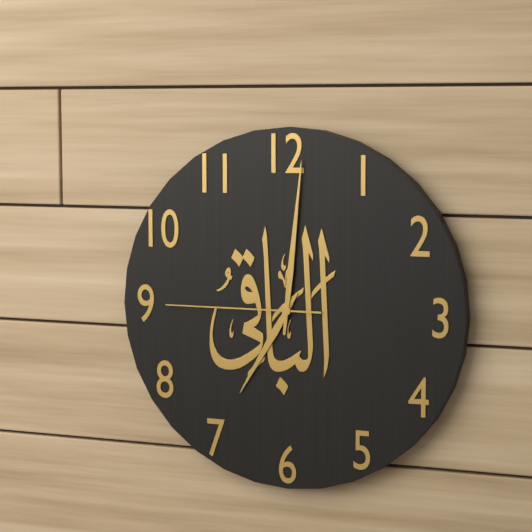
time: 7:01:45
